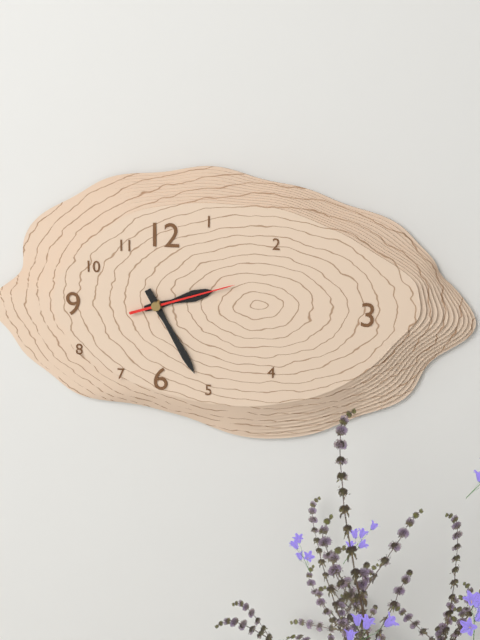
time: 2:25:12
